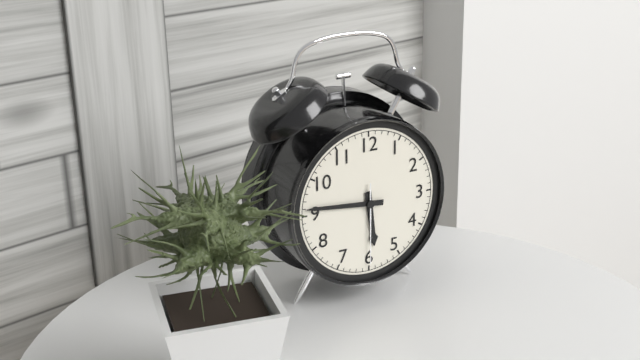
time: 5:46:30
